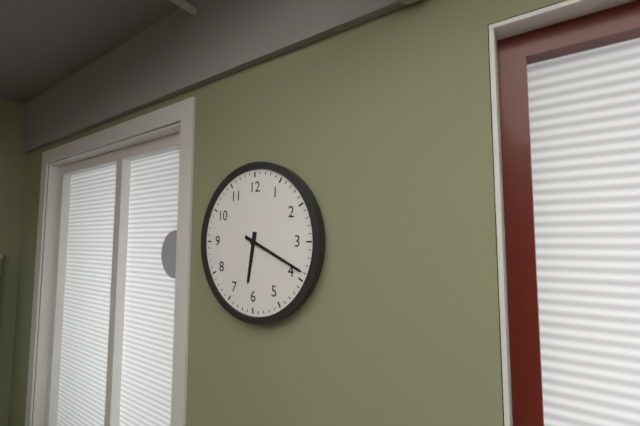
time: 6:19
